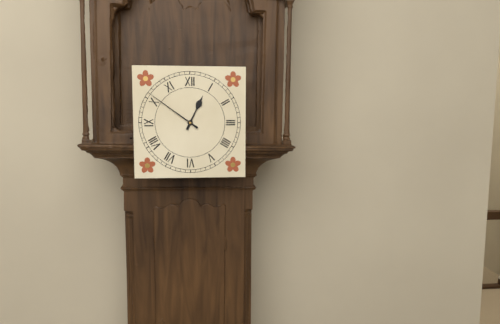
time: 12:51
